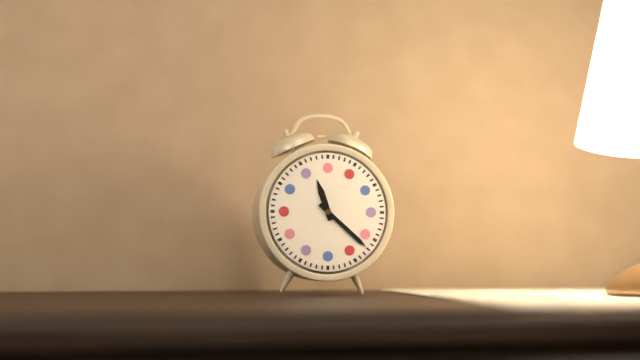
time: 11:22
